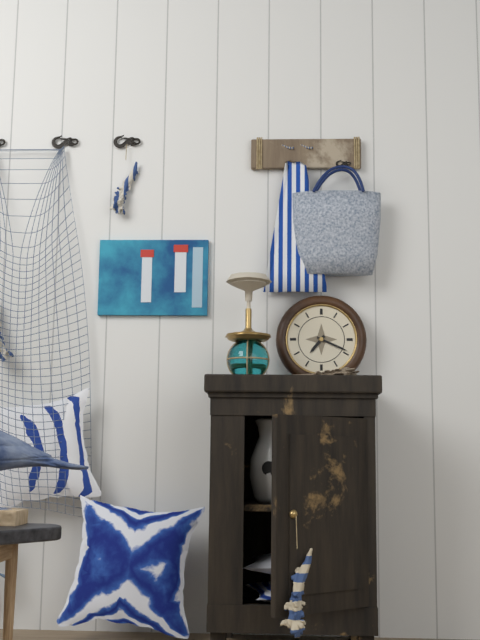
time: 7:19
